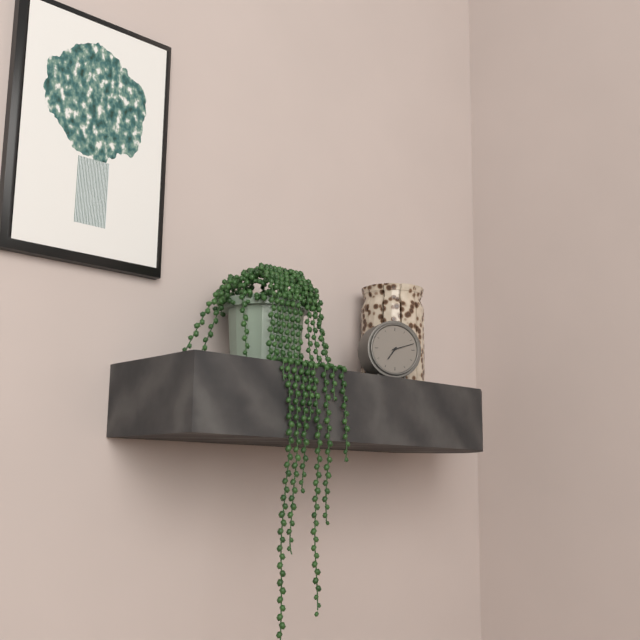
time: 7:12
